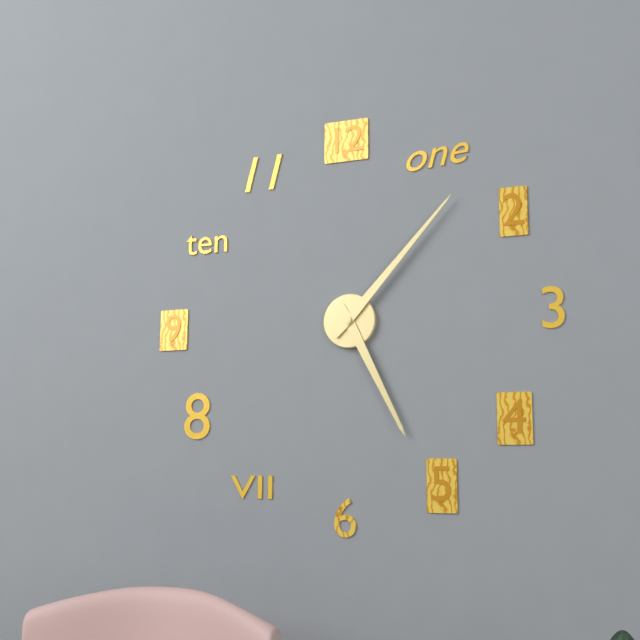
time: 5:07
